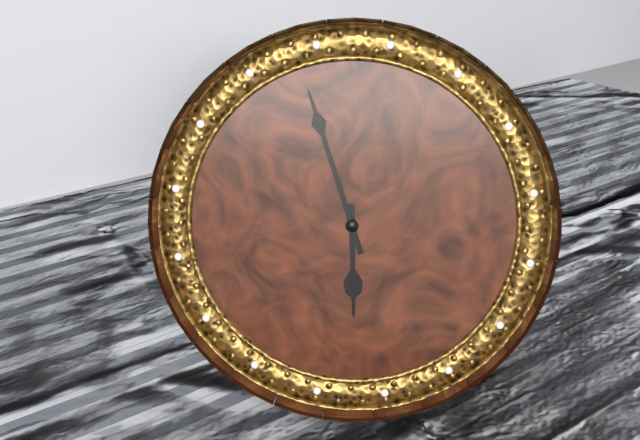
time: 5:57
